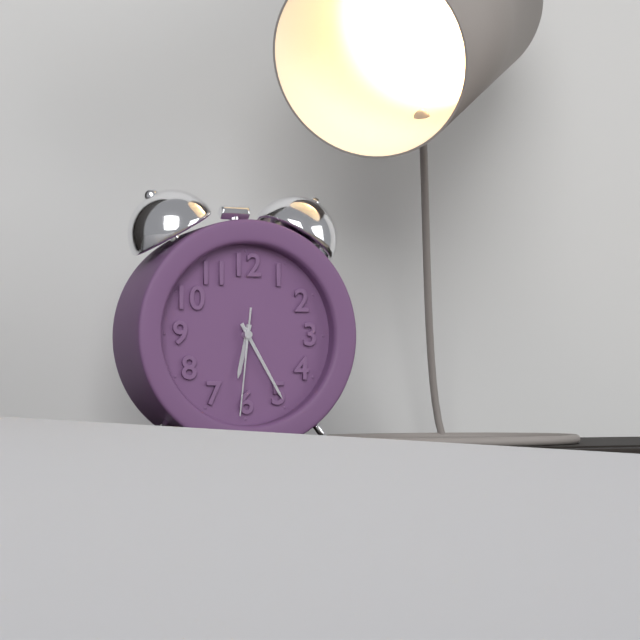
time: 6:25:31
